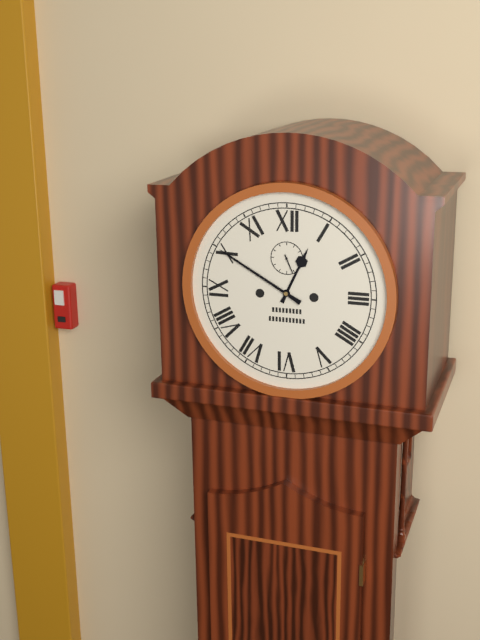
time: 12:50
